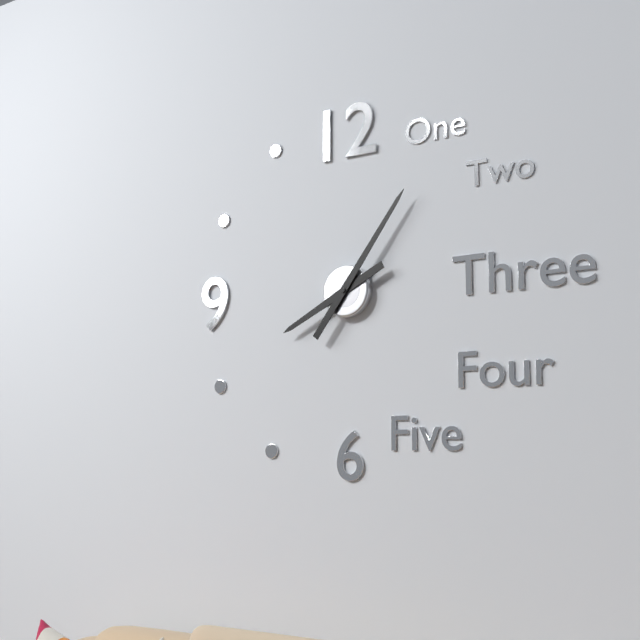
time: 8:06
